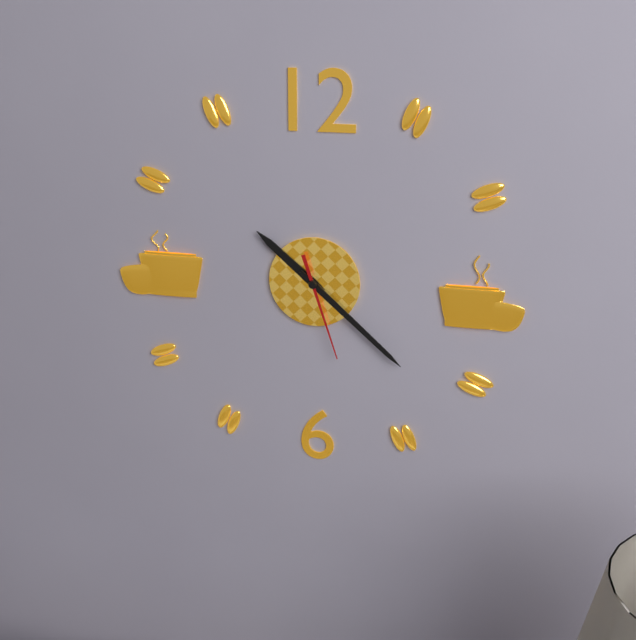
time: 10:22:27
